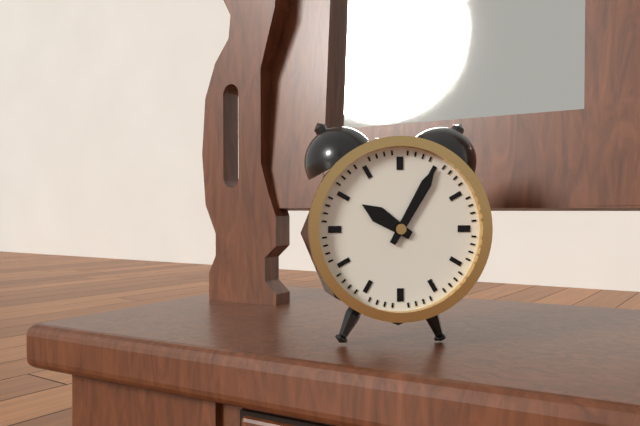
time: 10:05
